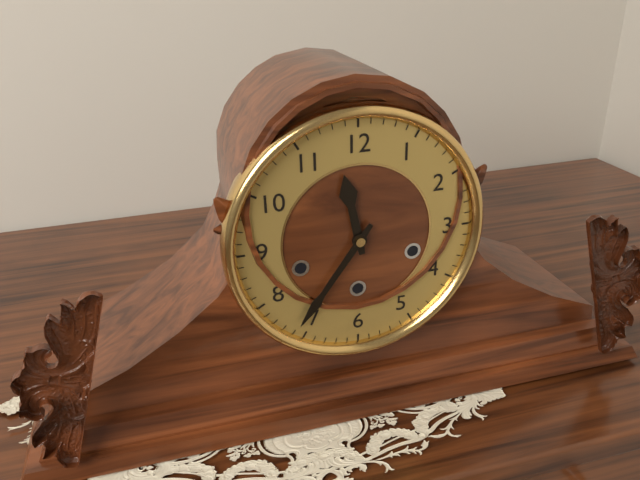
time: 11:36
